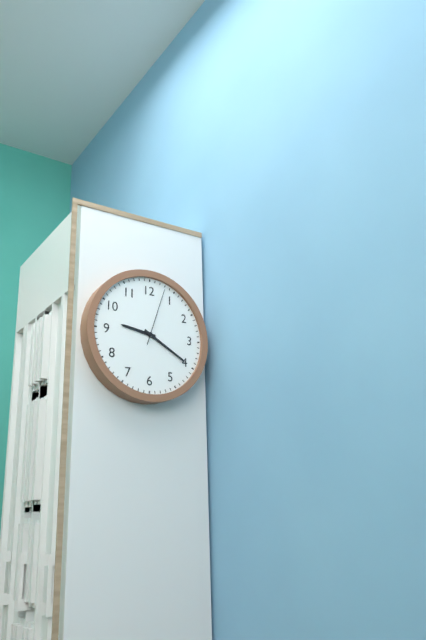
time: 9:20:03
